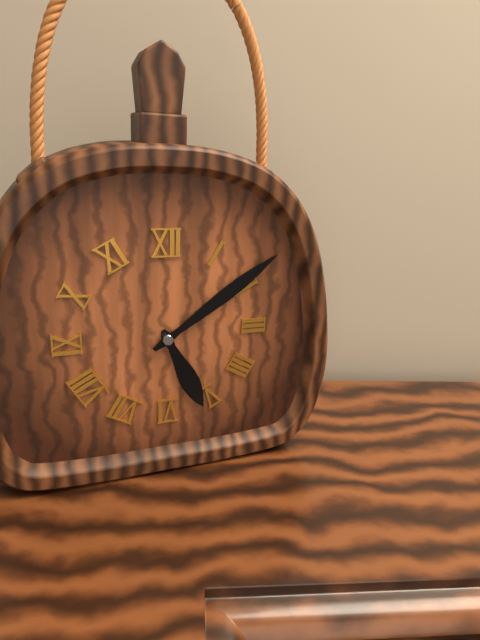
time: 5:09
